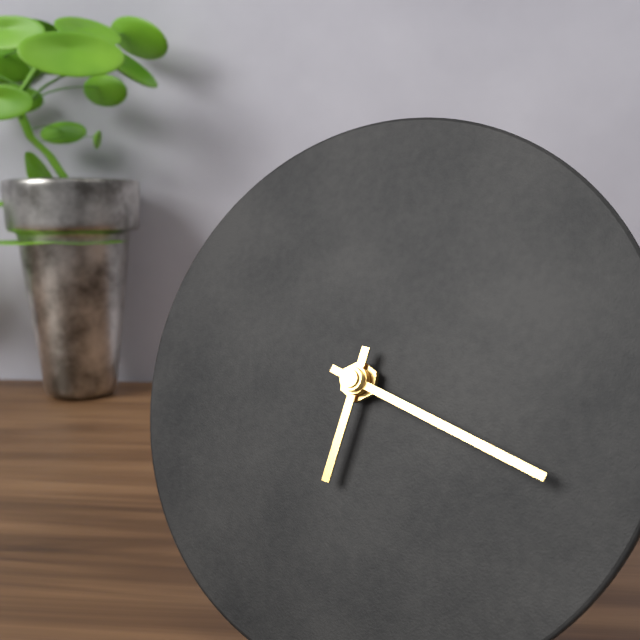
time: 6:18
